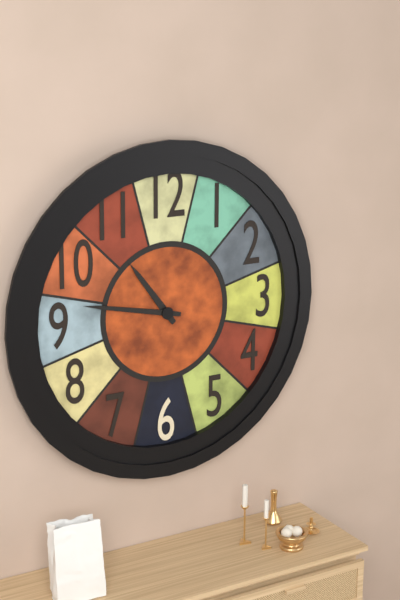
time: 10:47
